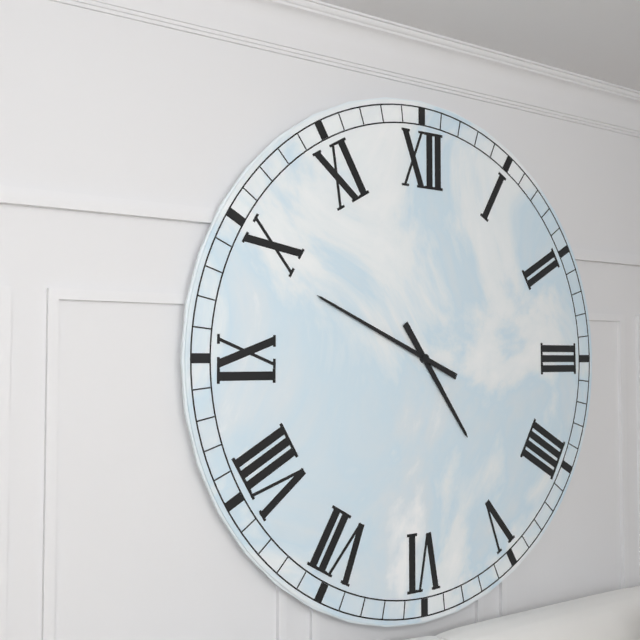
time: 4:49
